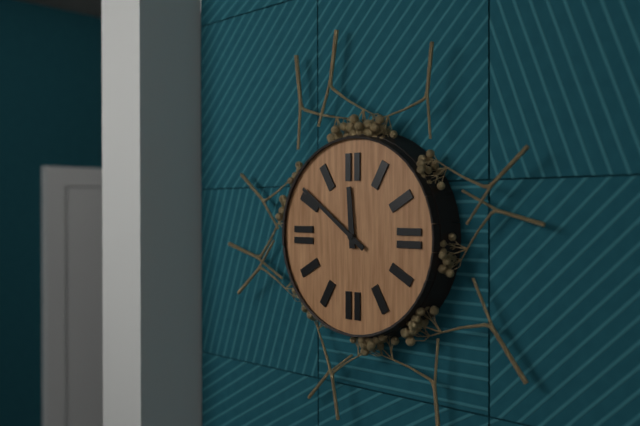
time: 11:51
